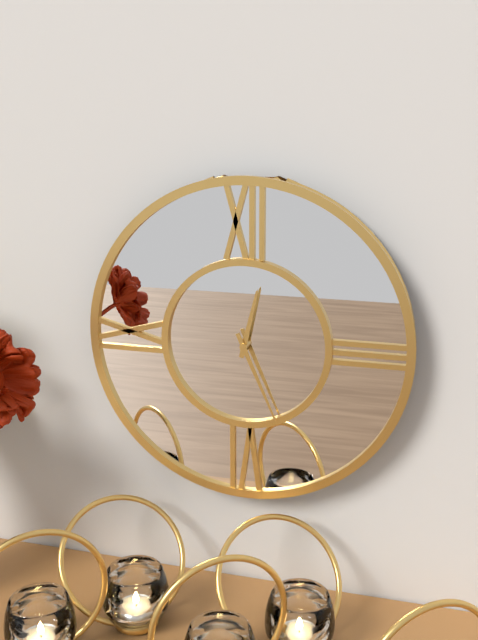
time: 12:26
